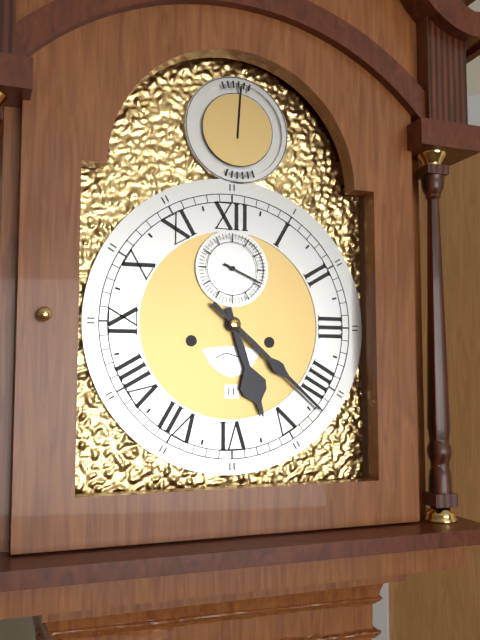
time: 5:22
